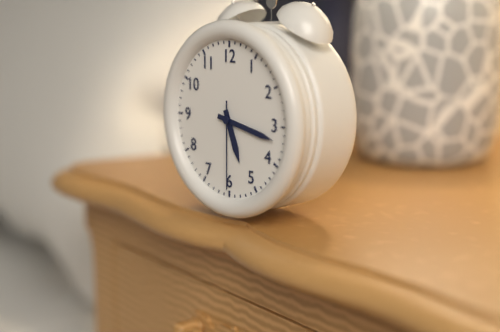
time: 5:17:30
